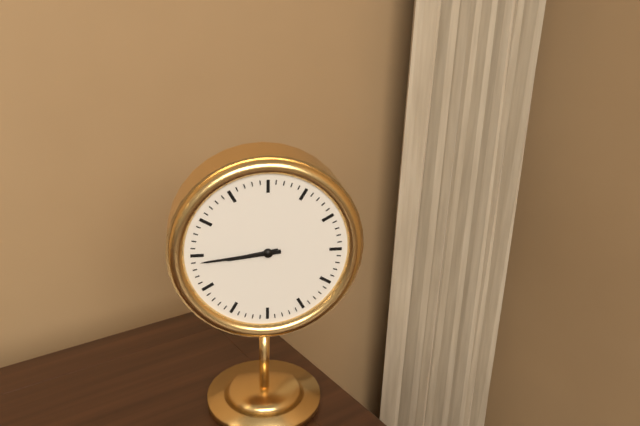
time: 8:44
